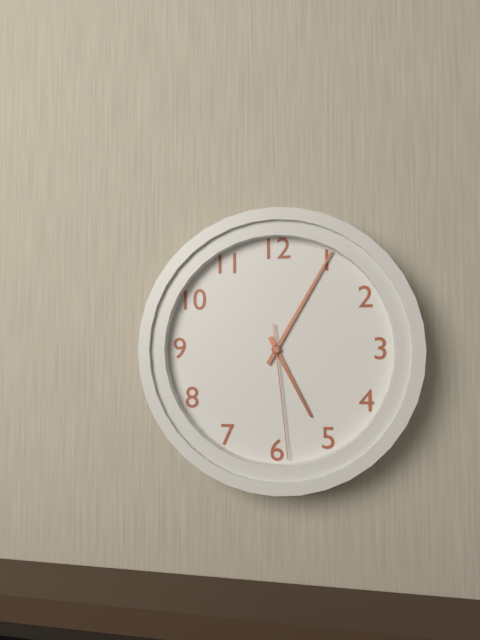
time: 5:05:29
